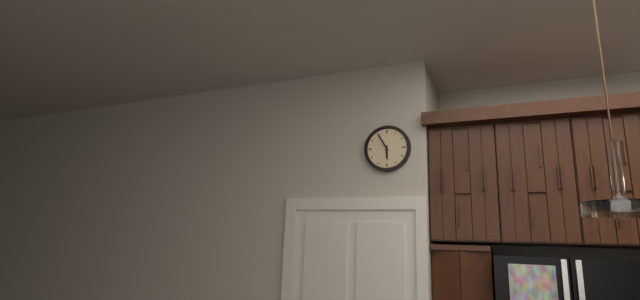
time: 5:55
